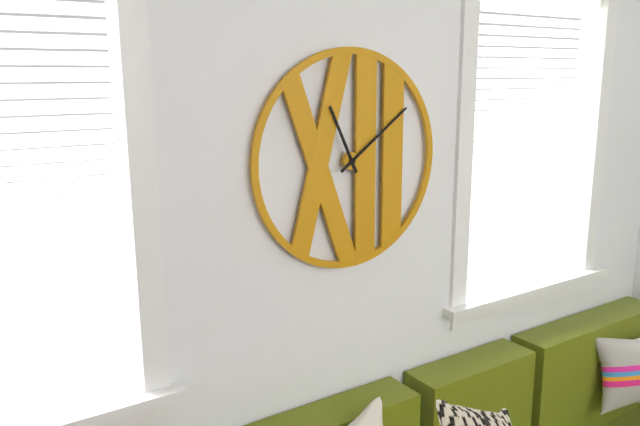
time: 11:09
